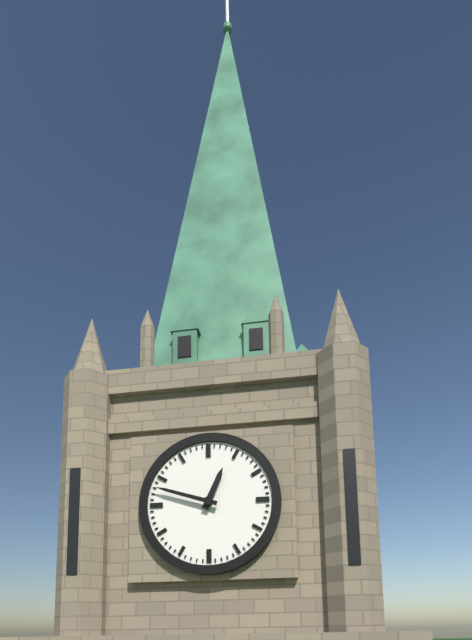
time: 12:48
